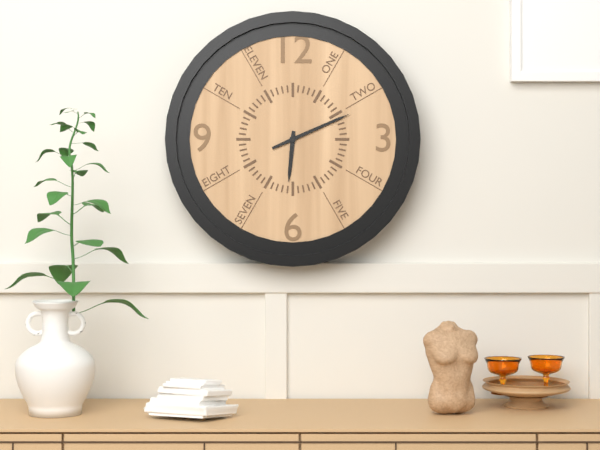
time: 6:11
